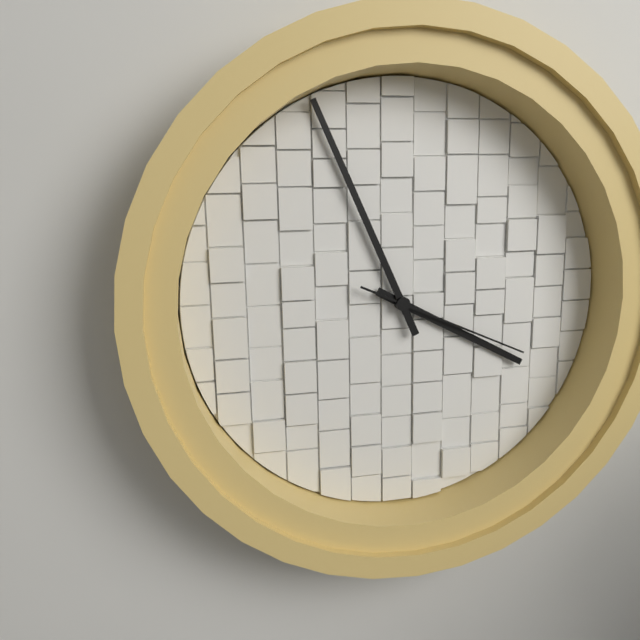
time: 3:56:19
